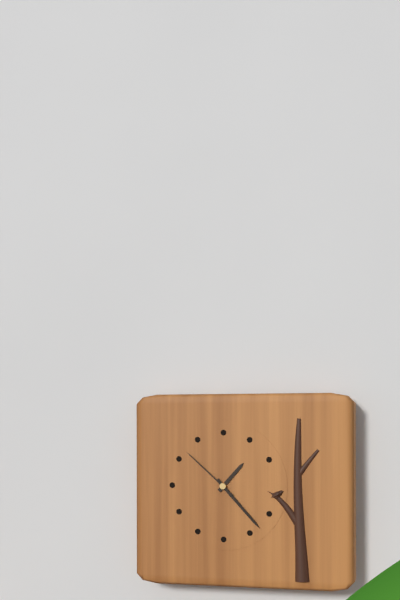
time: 1:23:52
